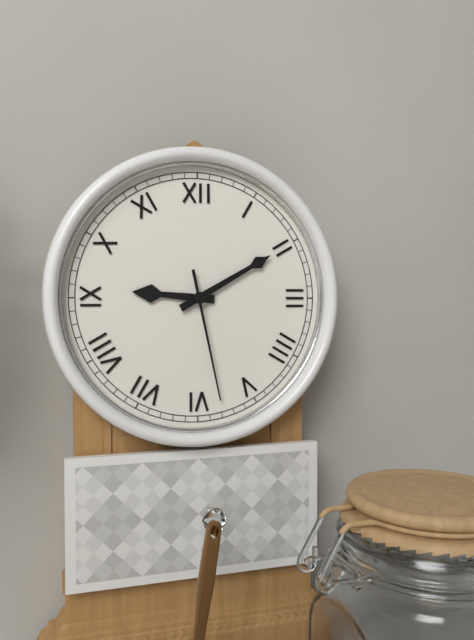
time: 9:10:28
